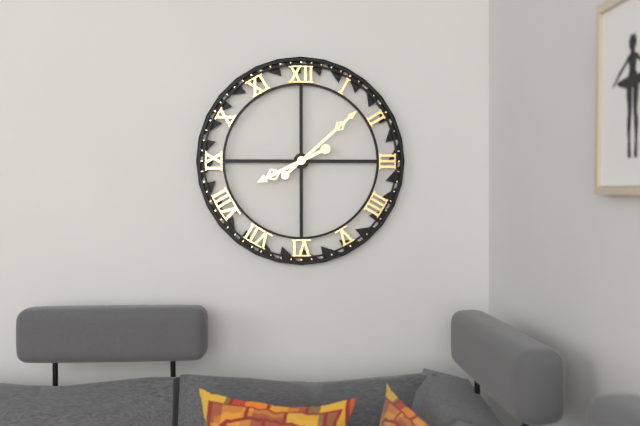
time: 8:08
